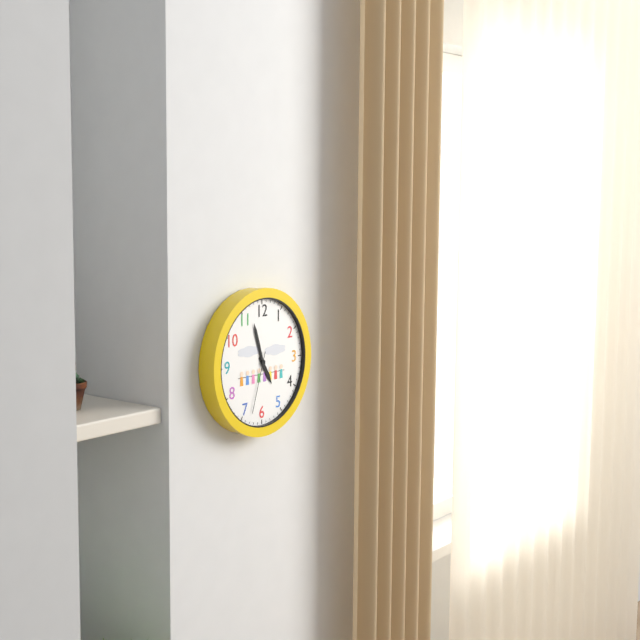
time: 4:57:33
